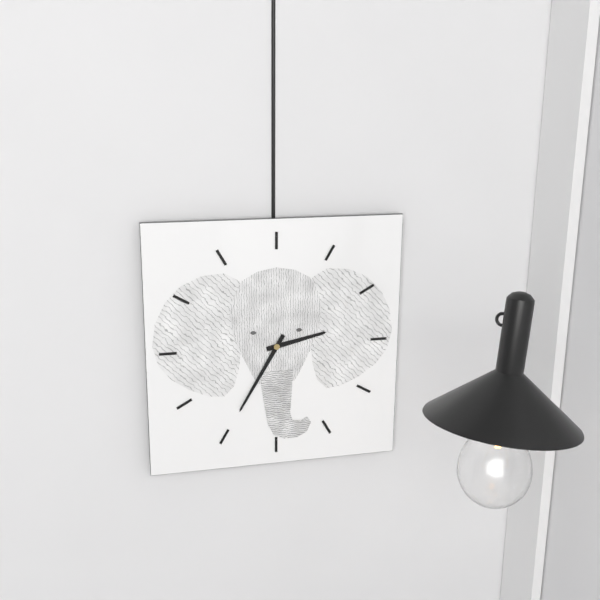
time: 2:35
